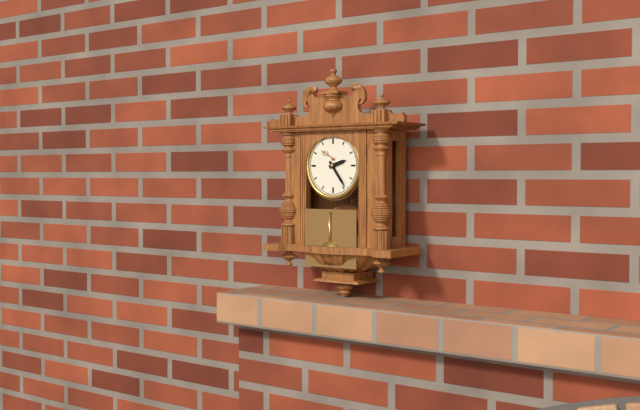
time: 2:24
